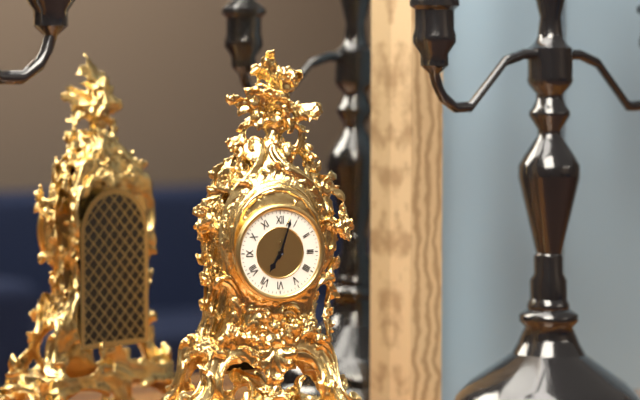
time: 7:03
